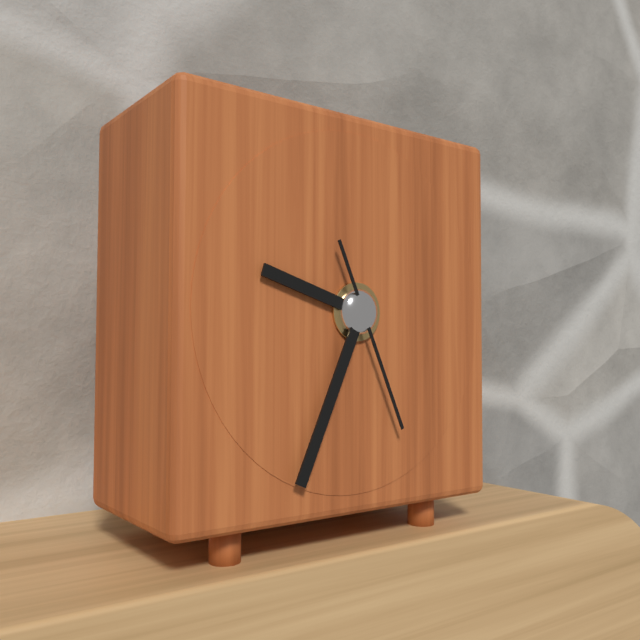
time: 9:34:26
